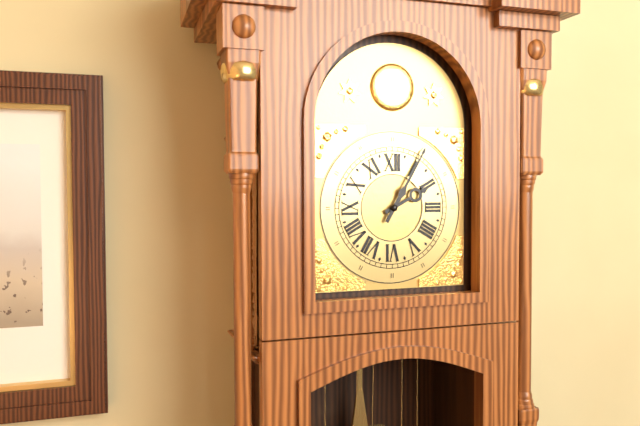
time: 2:05
